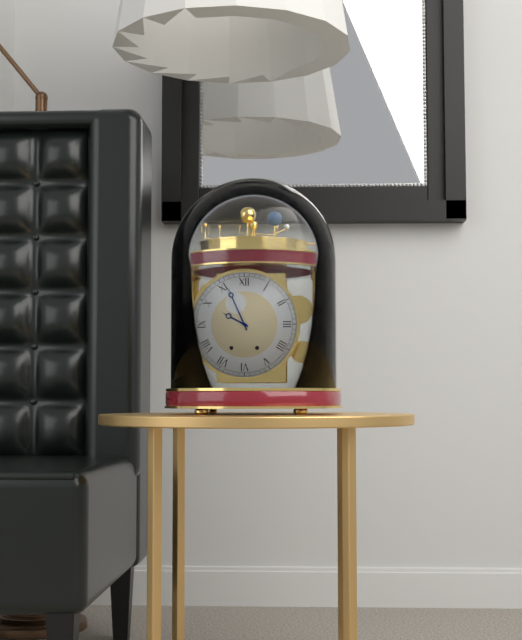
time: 9:56
